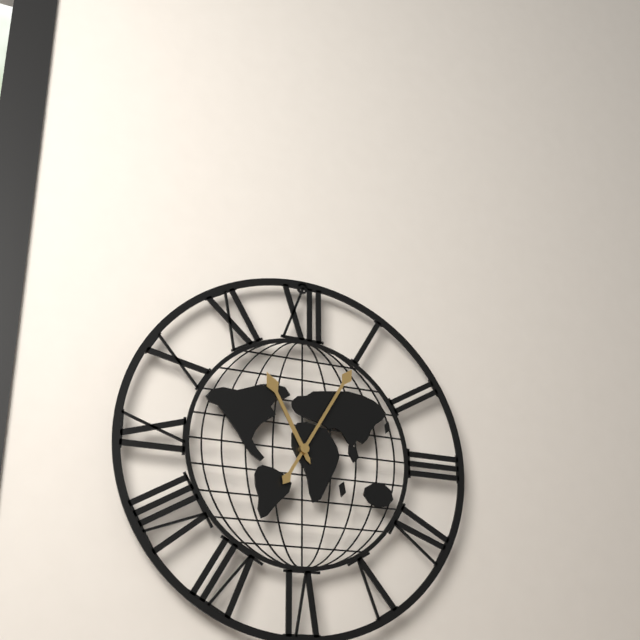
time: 11:05
